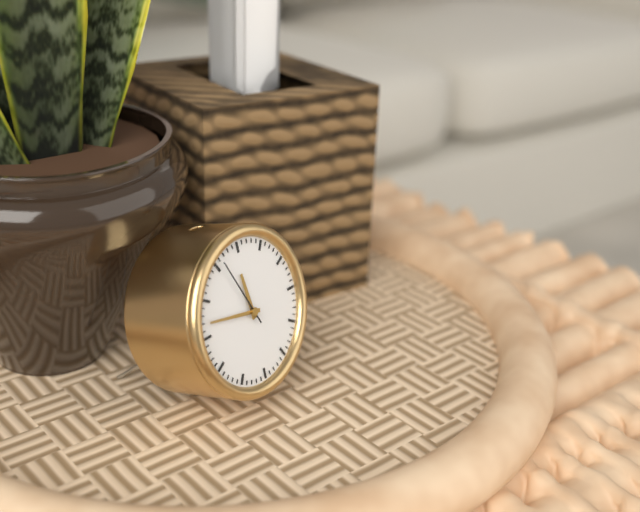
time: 11:47:56
